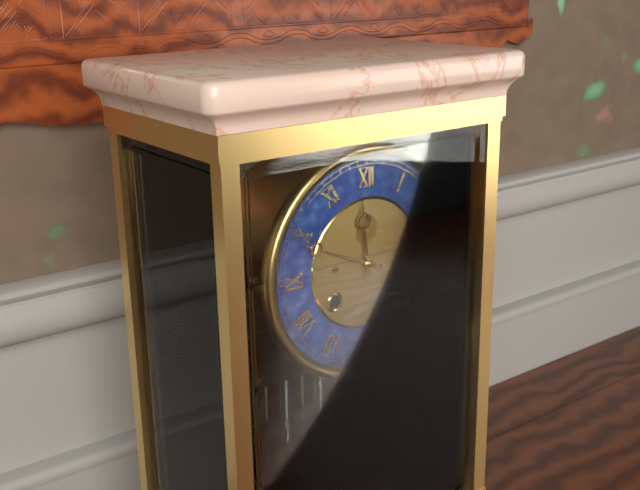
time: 11:49
